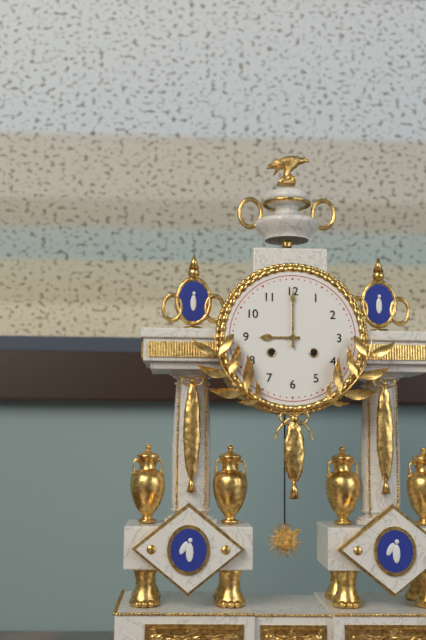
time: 9:00
